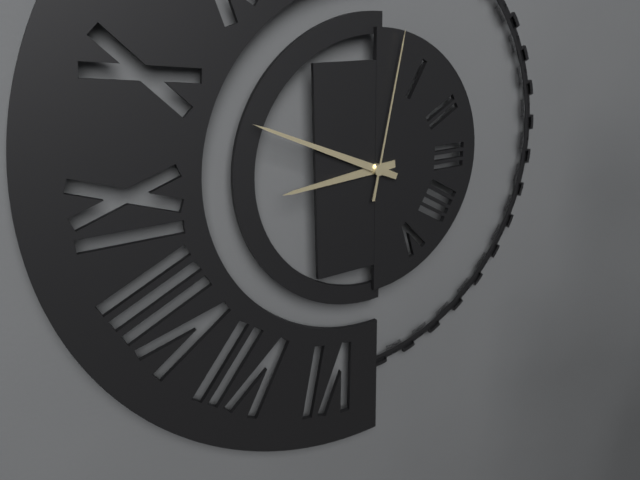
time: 8:49:02
